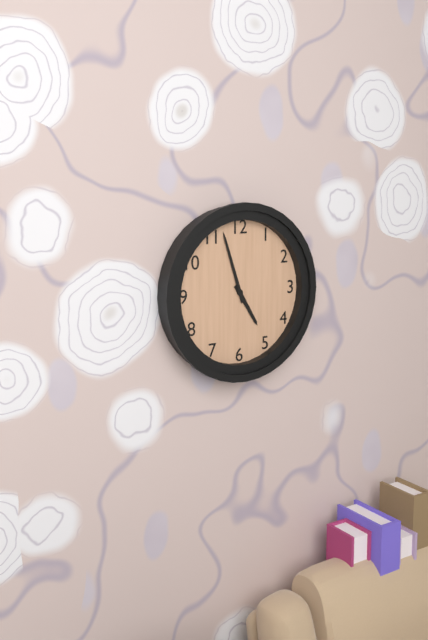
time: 4:57
